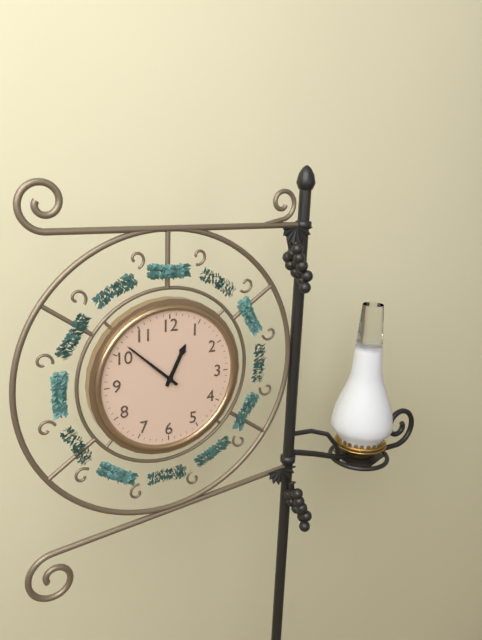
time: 12:52
